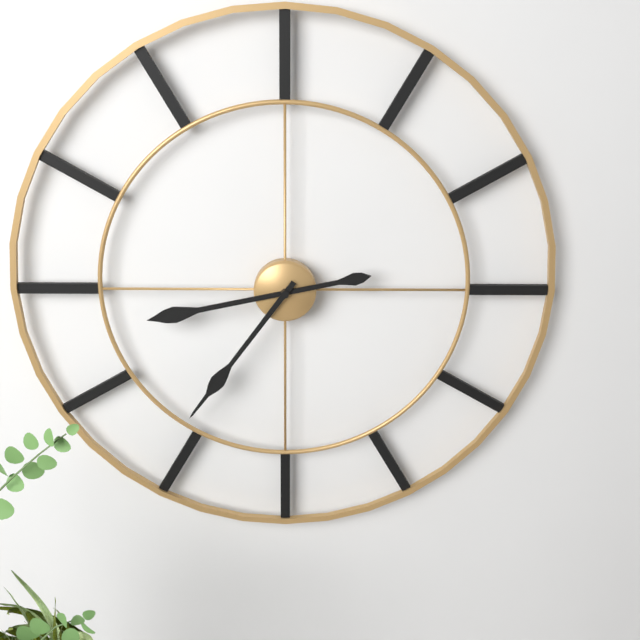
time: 8:36
